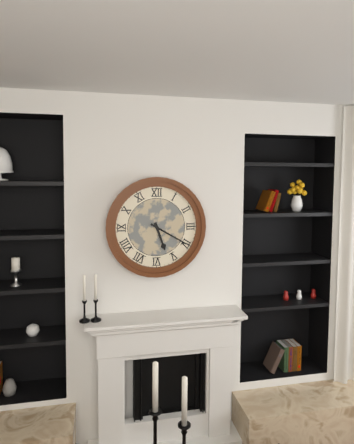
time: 5:20
